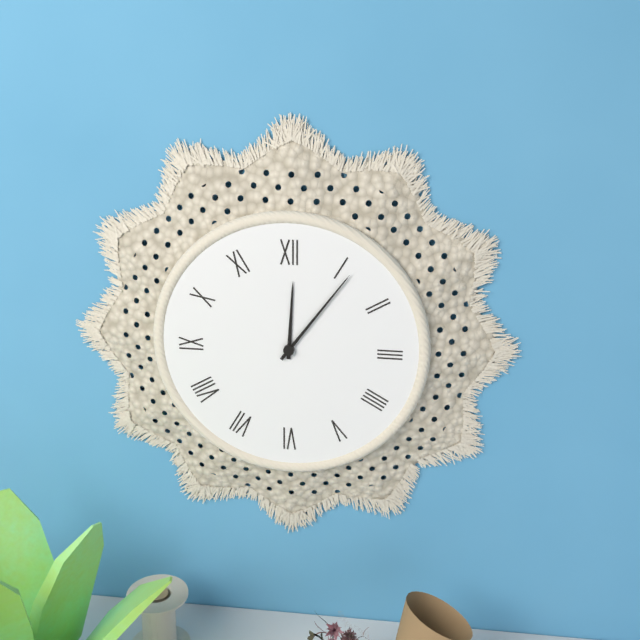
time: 12:06
